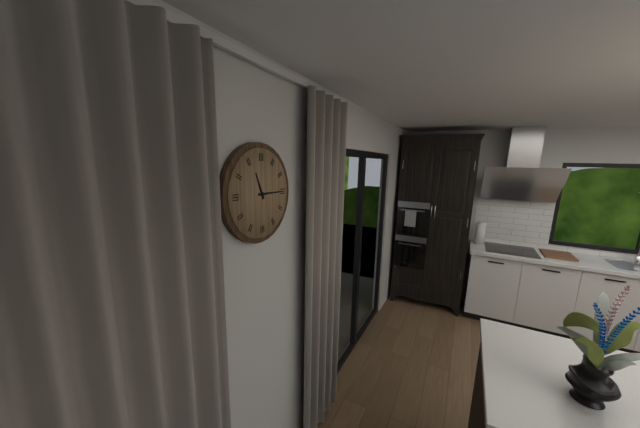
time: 11:15
